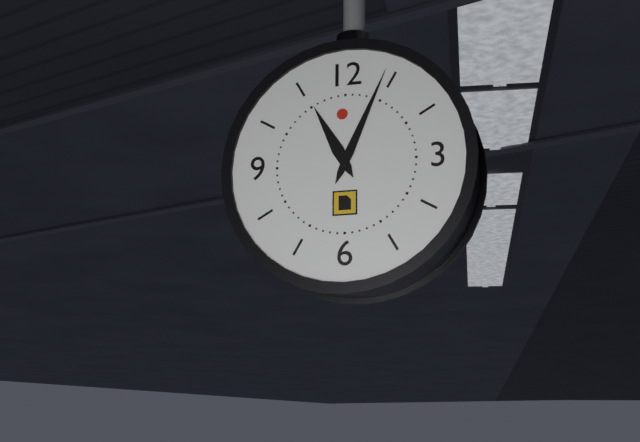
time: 11:04
